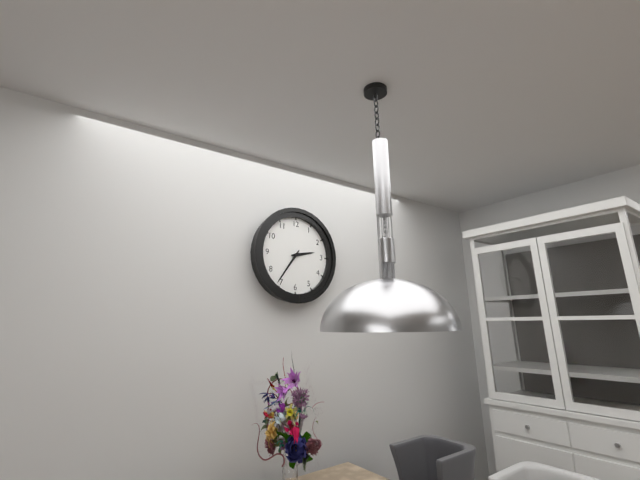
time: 2:36
